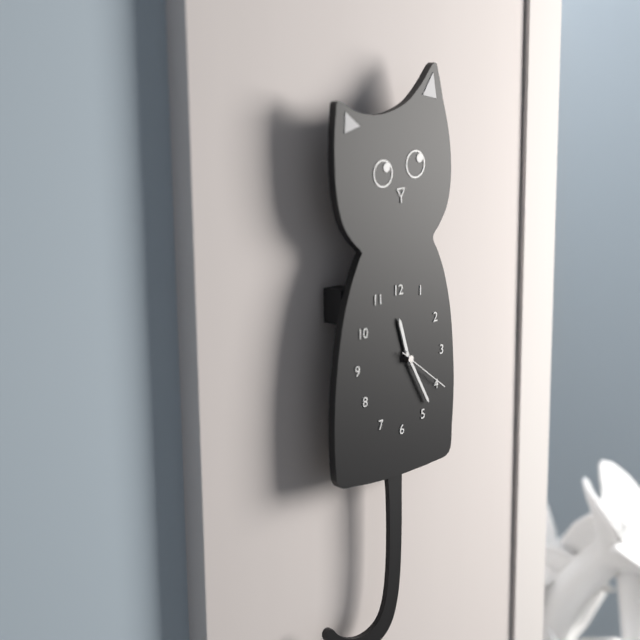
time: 11:25:21
